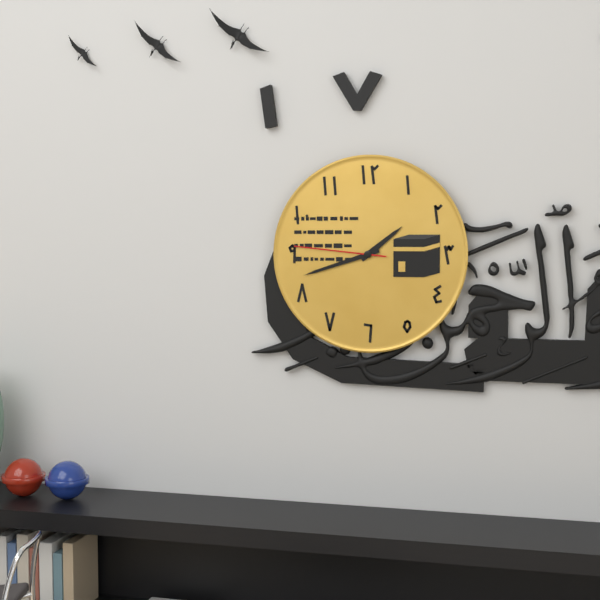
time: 1:42:46
